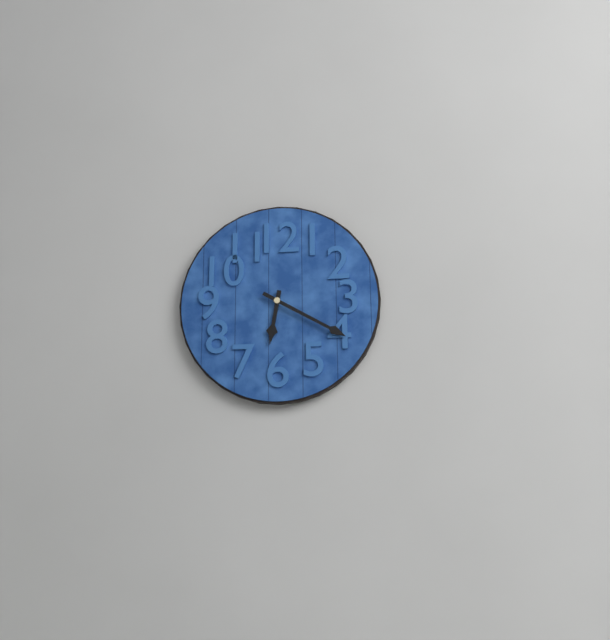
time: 6:20
